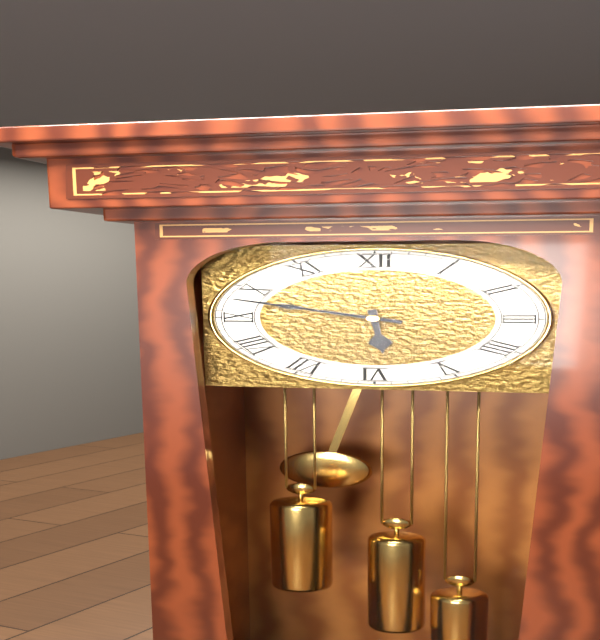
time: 5:48
